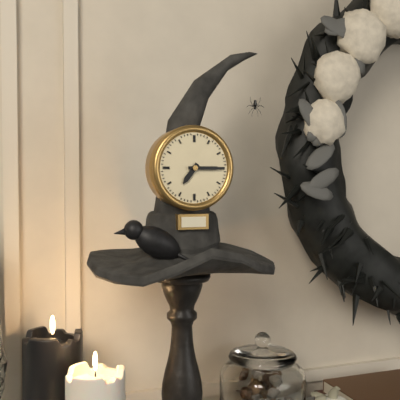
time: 7:15
